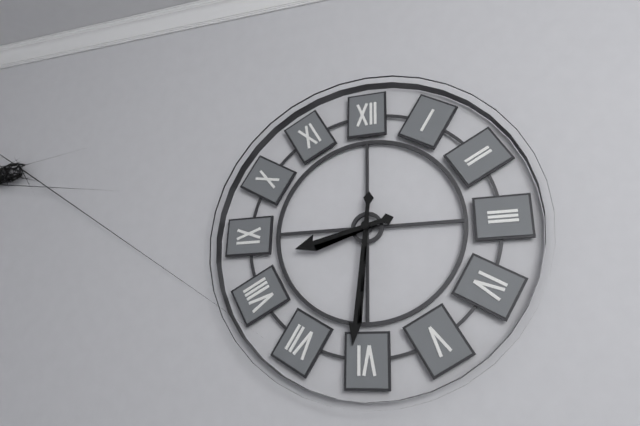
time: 8:31
